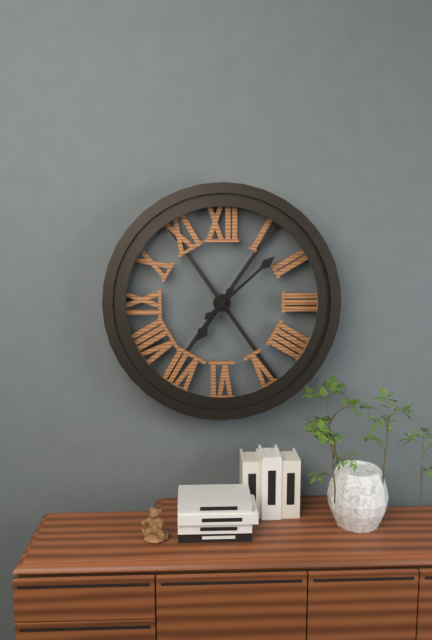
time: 7:08
